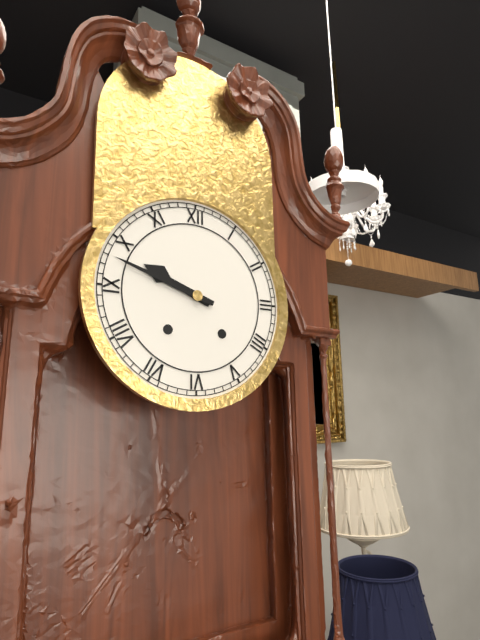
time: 9:48
